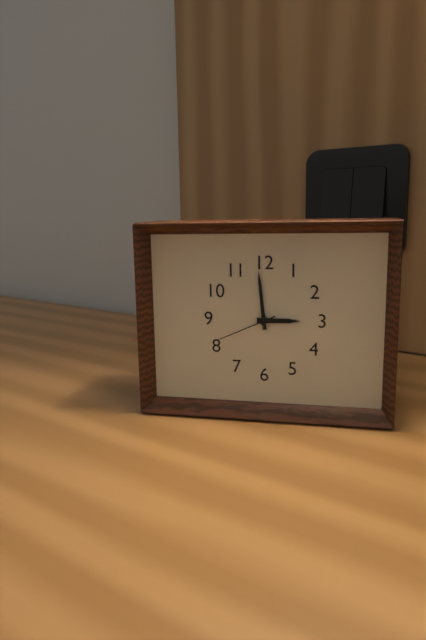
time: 2:59:41
